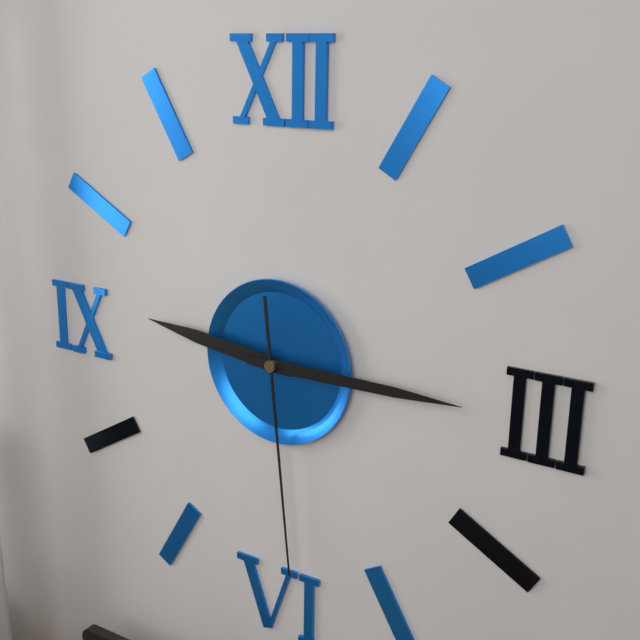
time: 9:15:29
